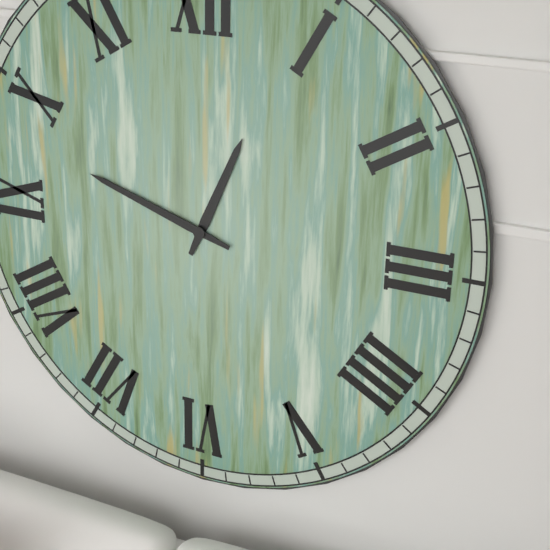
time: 12:48
